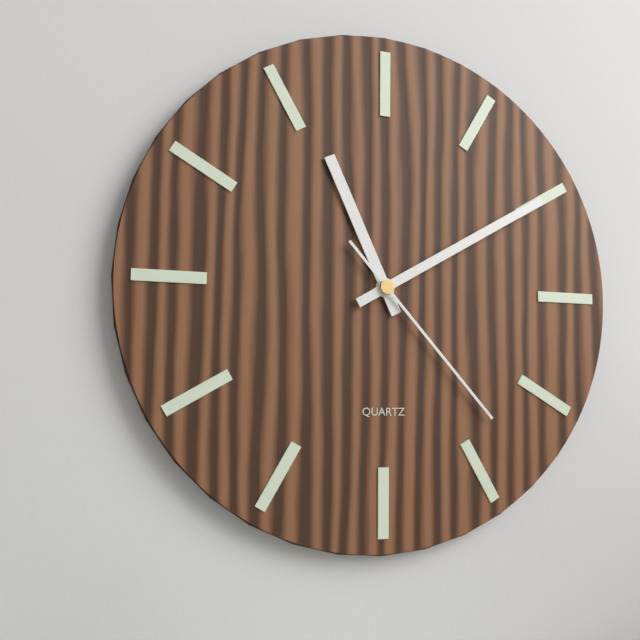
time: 11:10:23
